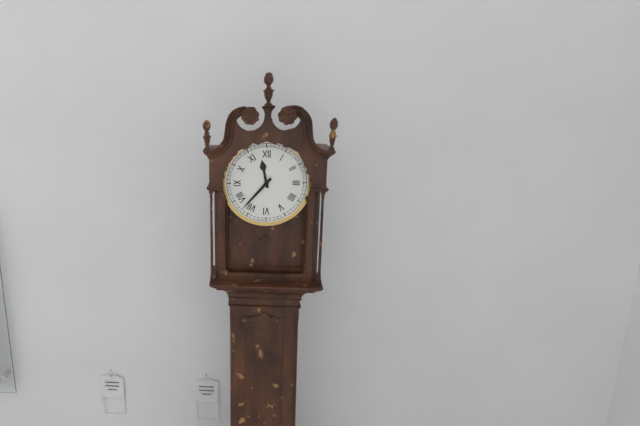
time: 11:37
